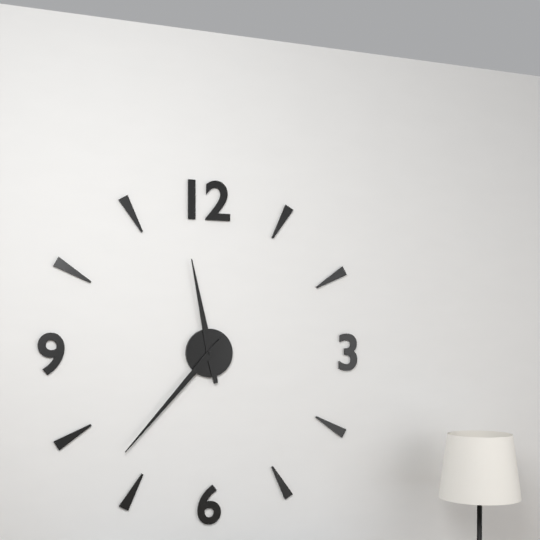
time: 11:37
